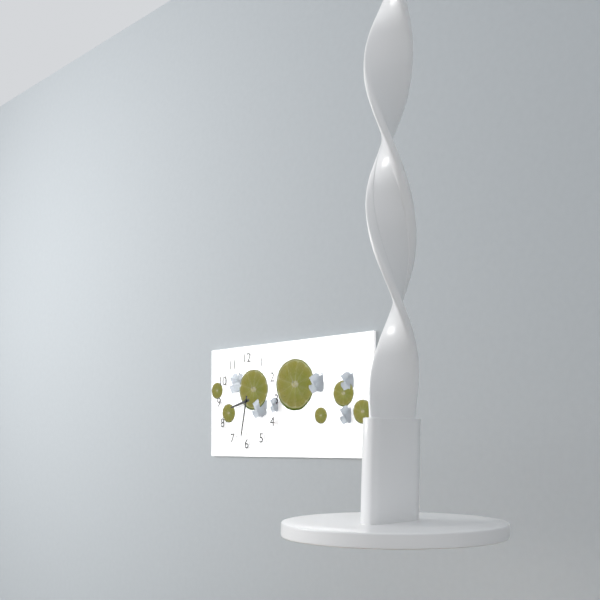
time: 8:32
